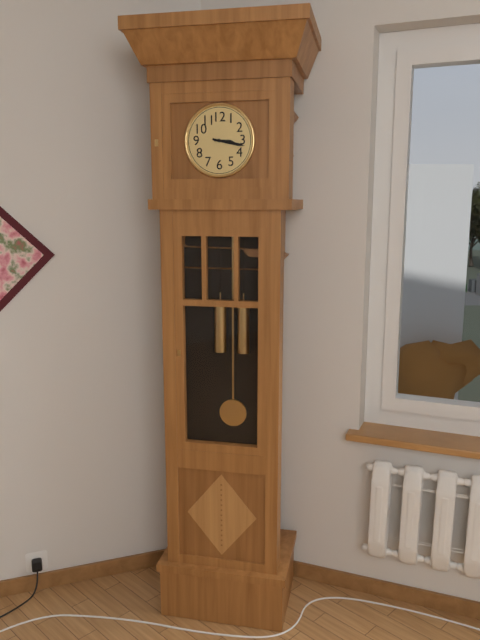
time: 3:17
